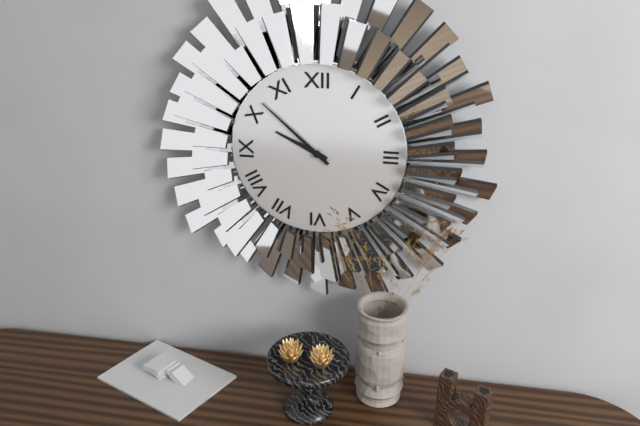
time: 9:52
